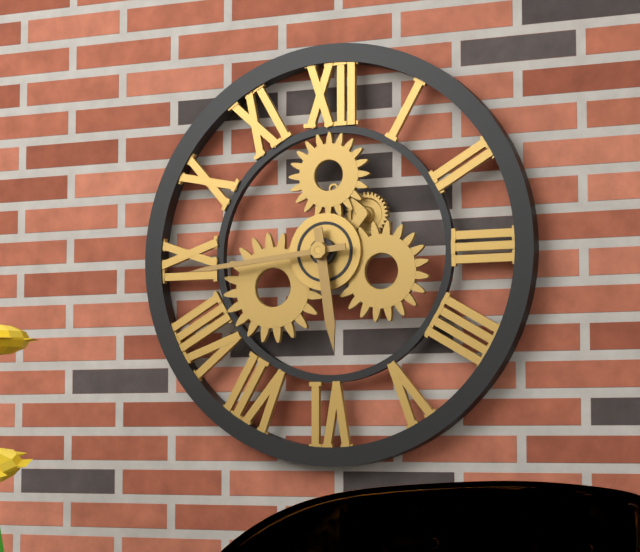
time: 5:44
